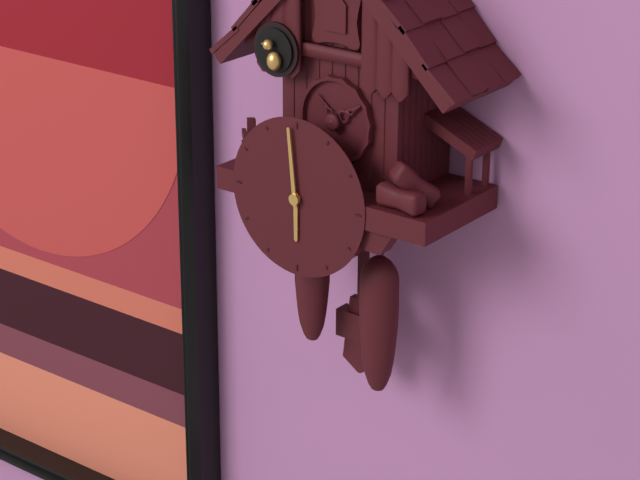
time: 5:59
